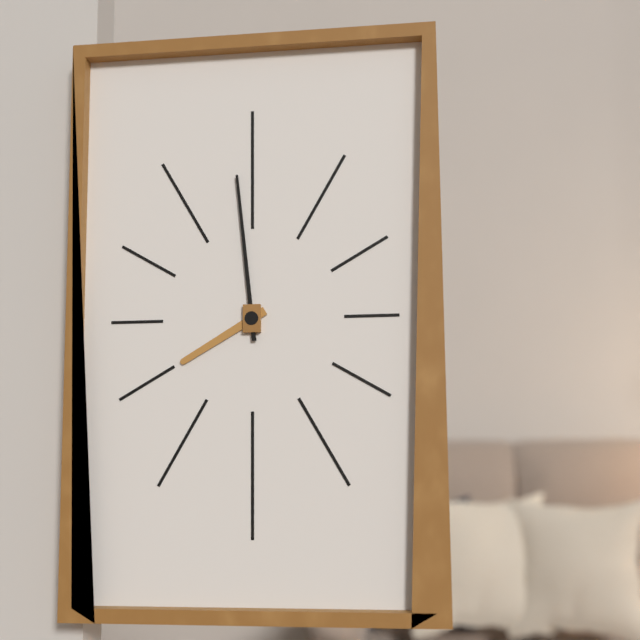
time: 7:59
